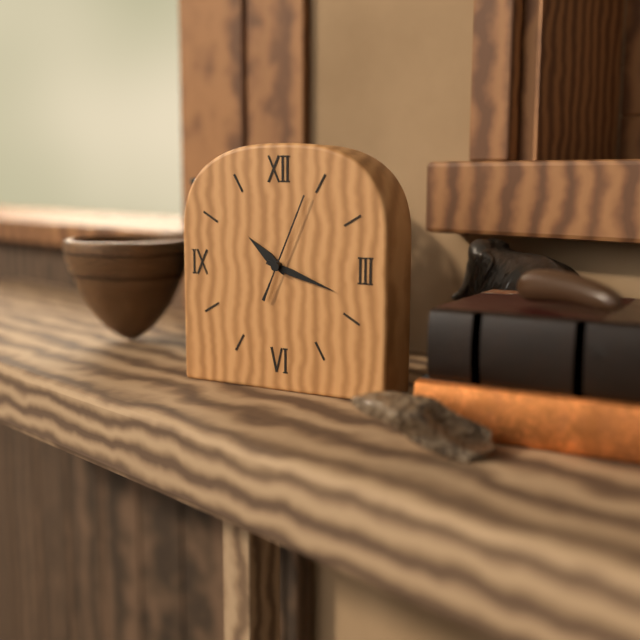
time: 10:18:04
